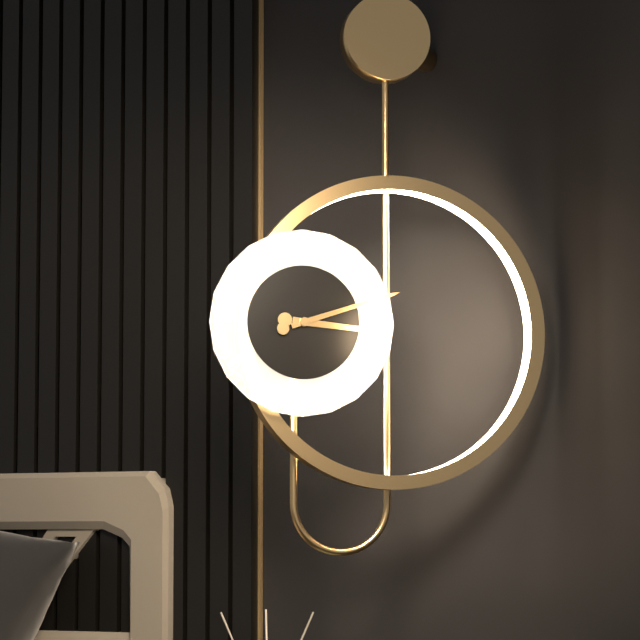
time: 3:12
